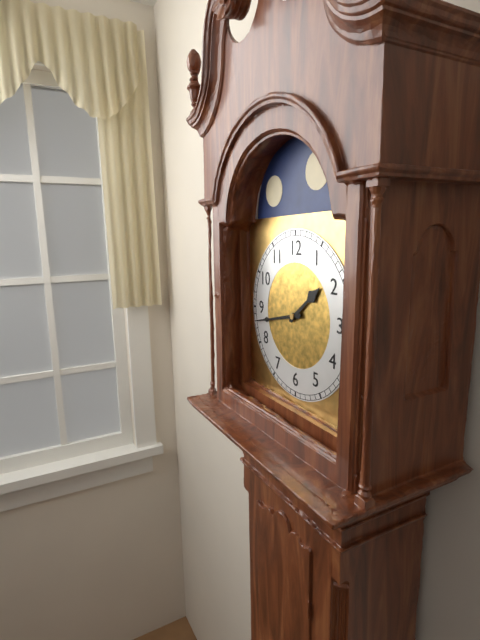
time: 1:43
